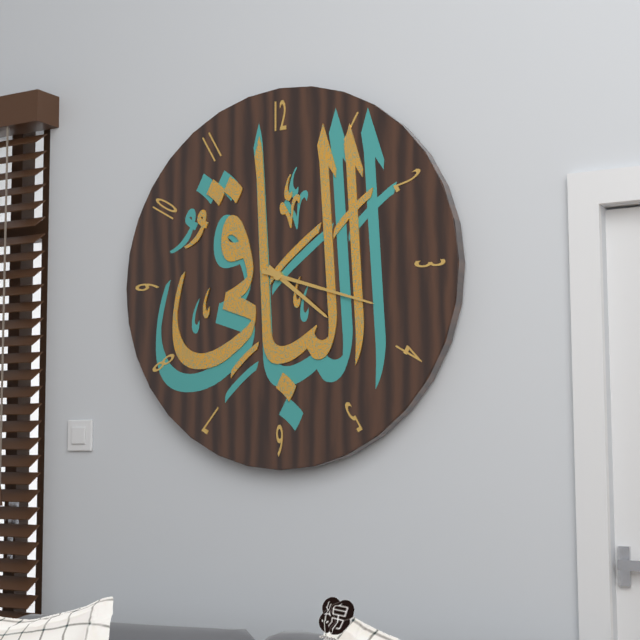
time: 4:18
